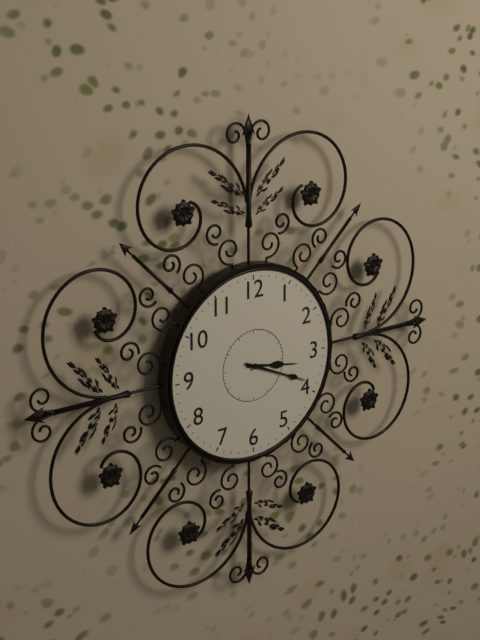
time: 3:19
